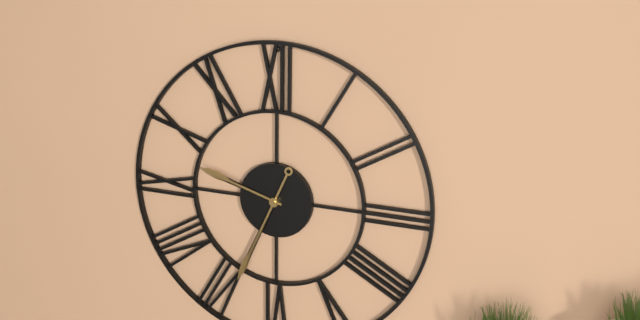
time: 9:34
